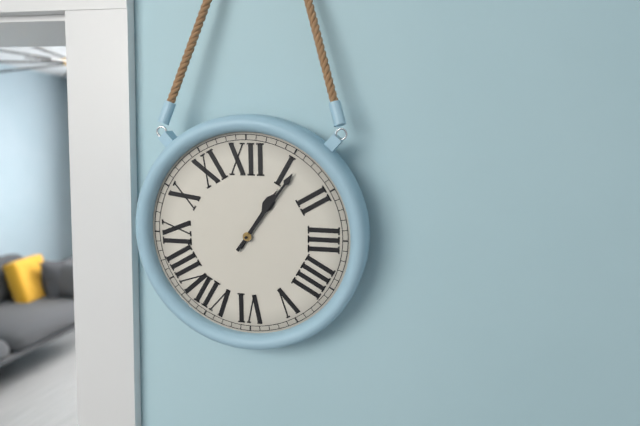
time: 1:06
